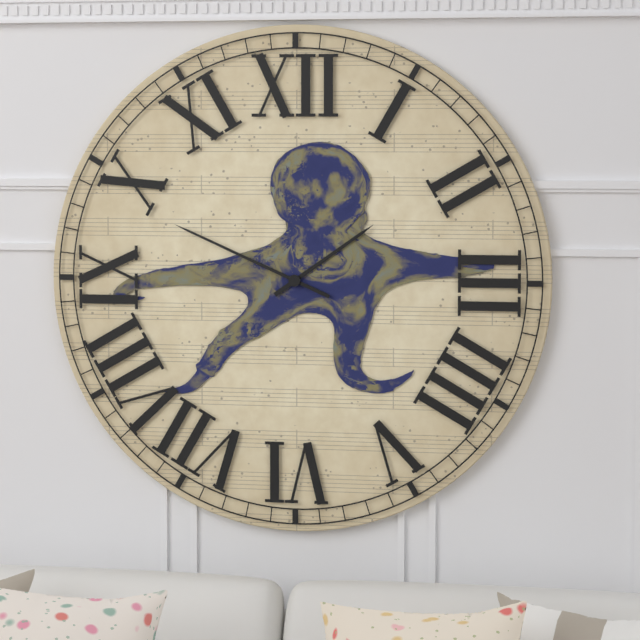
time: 1:49
